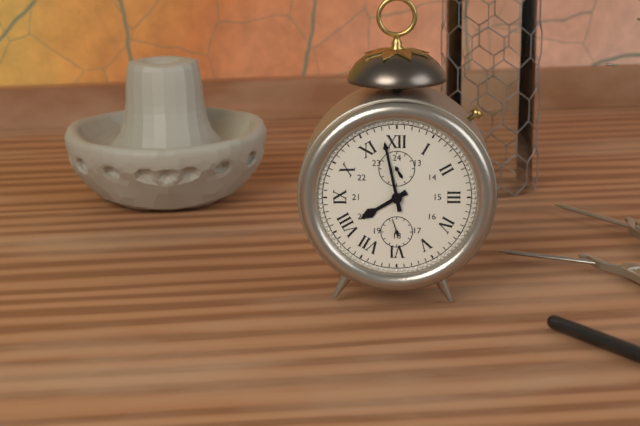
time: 7:58
